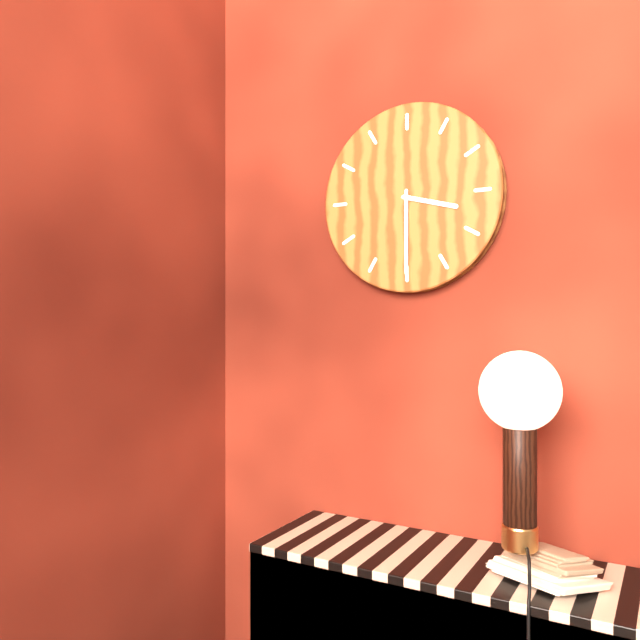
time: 3:30
